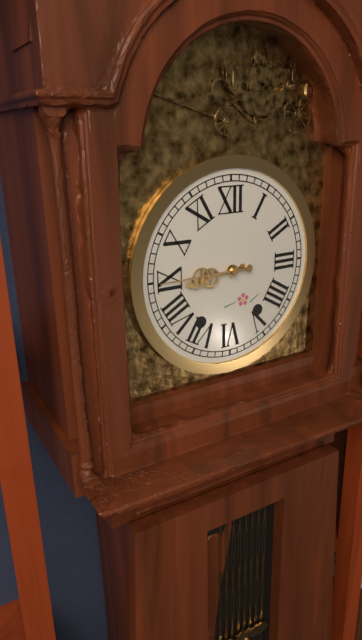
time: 8:45
